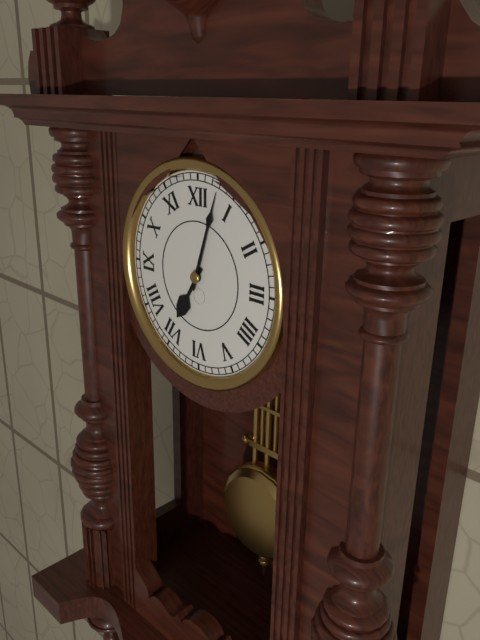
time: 7:03
